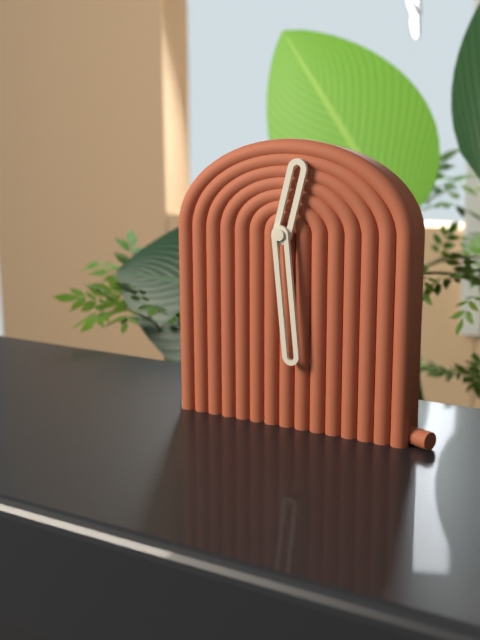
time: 12:29
